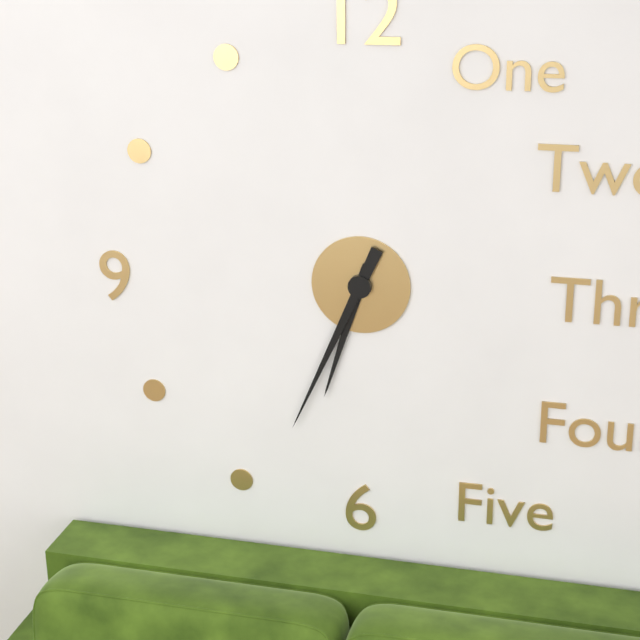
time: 6:34
